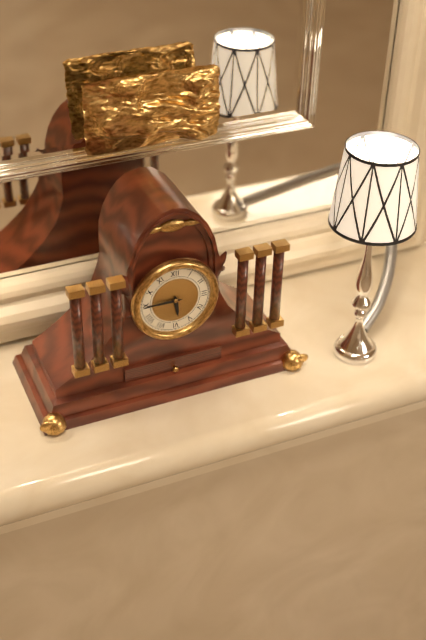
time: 5:45
